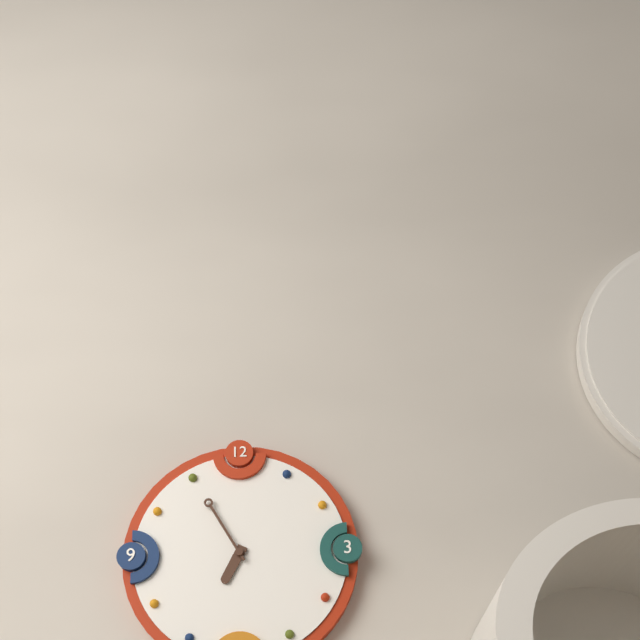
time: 6:55
